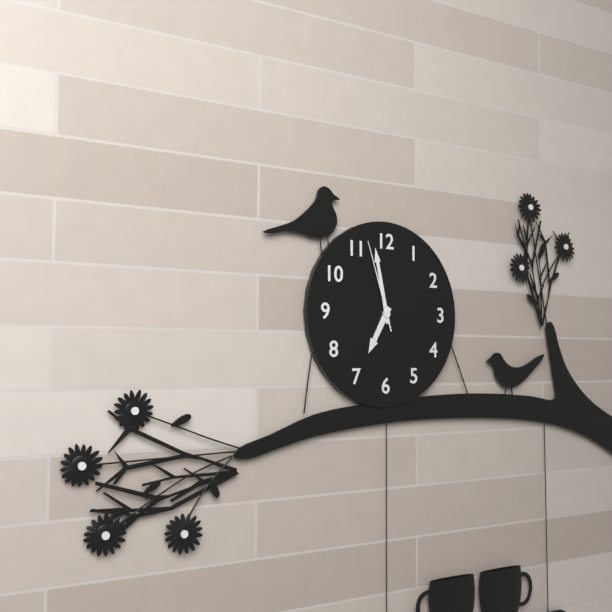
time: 6:58:57
